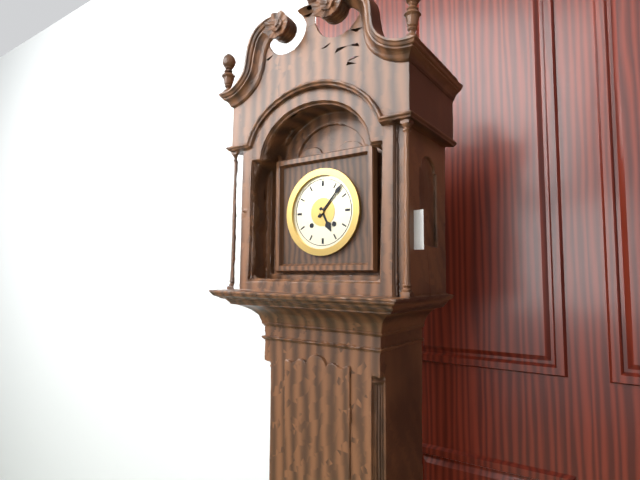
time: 5:07
